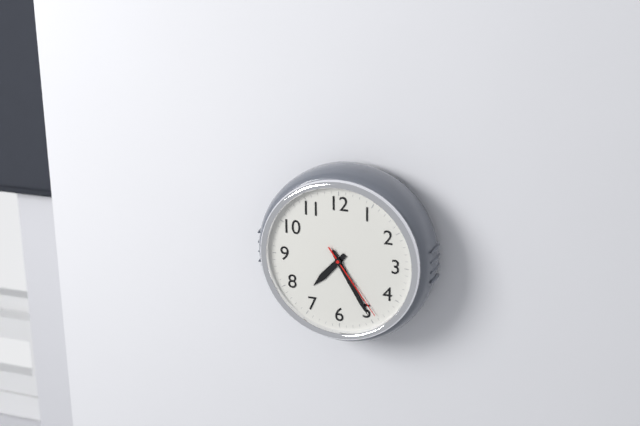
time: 7:25:24
